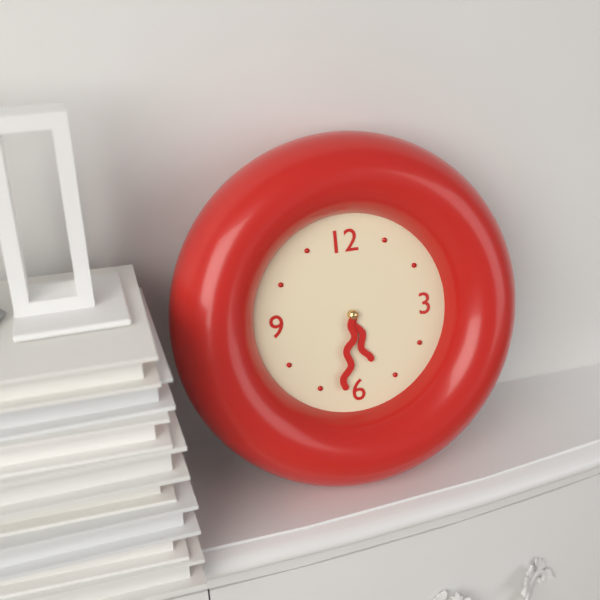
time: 5:32
